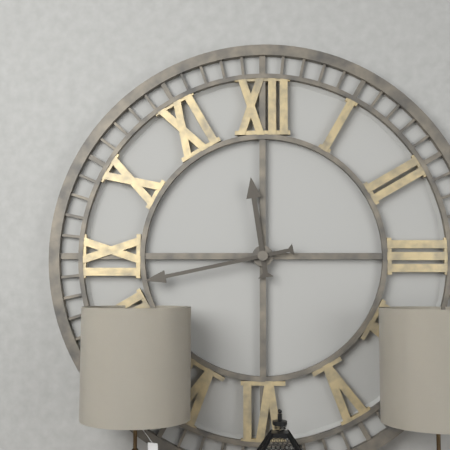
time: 11:43
